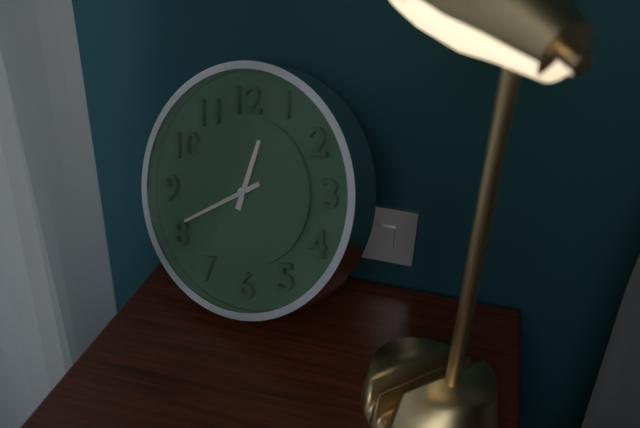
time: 12:41
